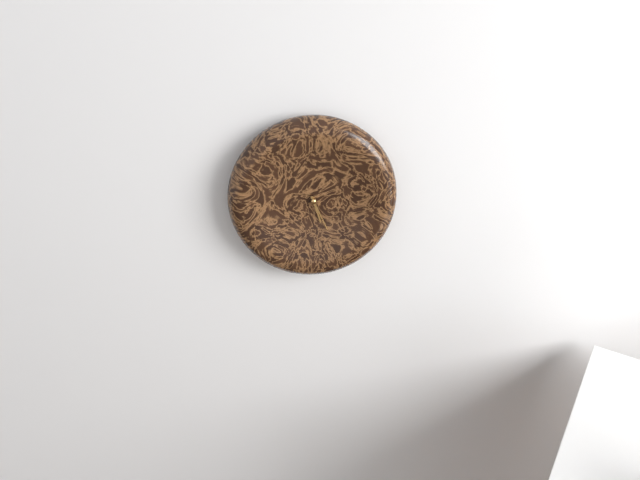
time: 5:26
